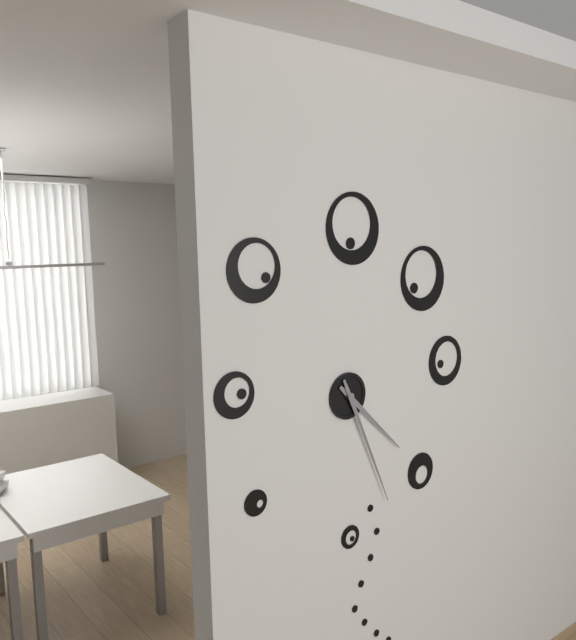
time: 4:26
